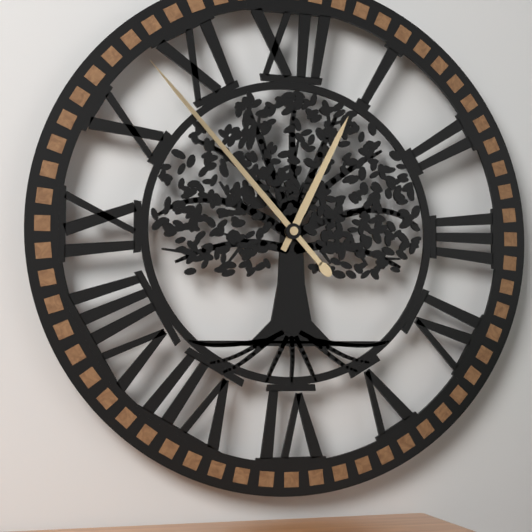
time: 12:53
